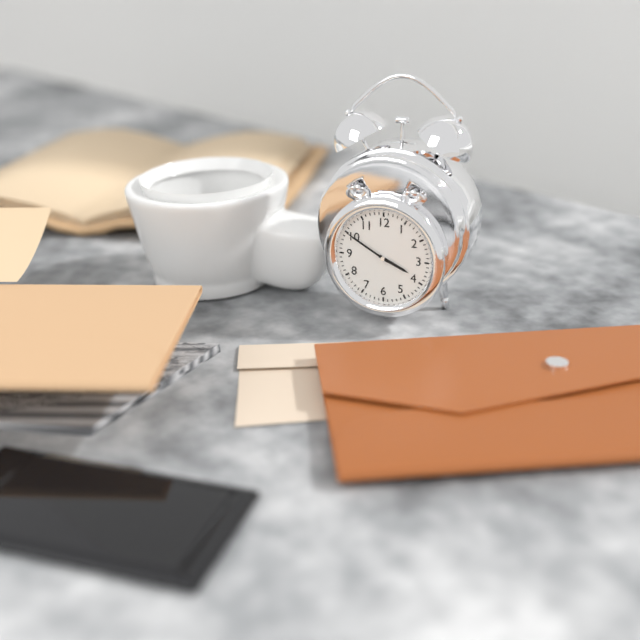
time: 3:50
